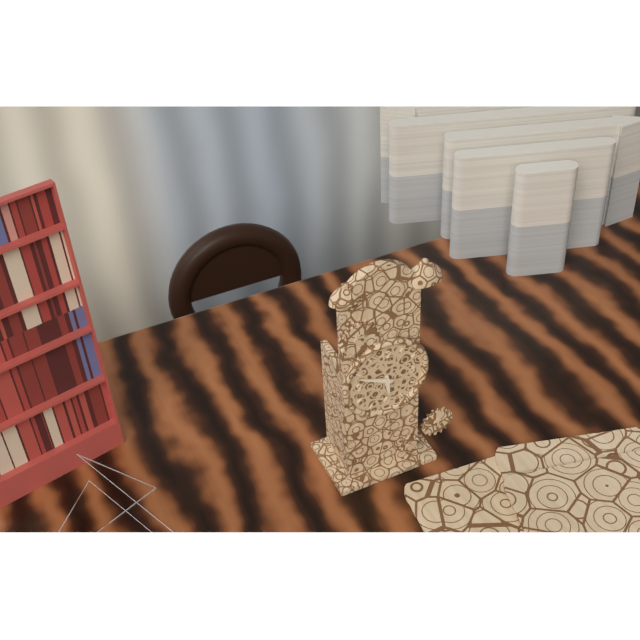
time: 5:49
